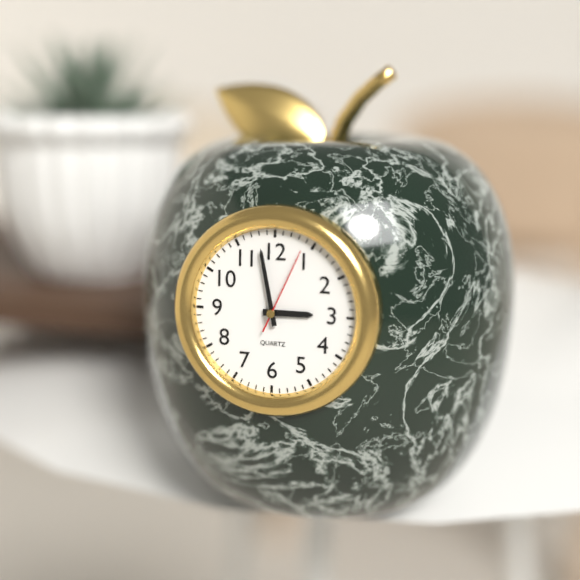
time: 2:58:04
